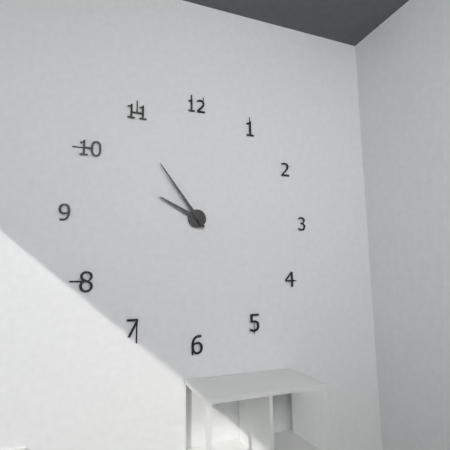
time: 9:54
